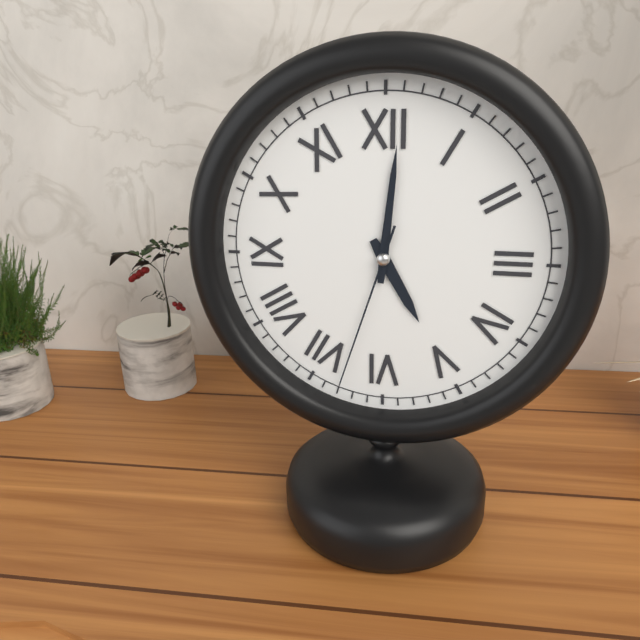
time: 5:01:33
